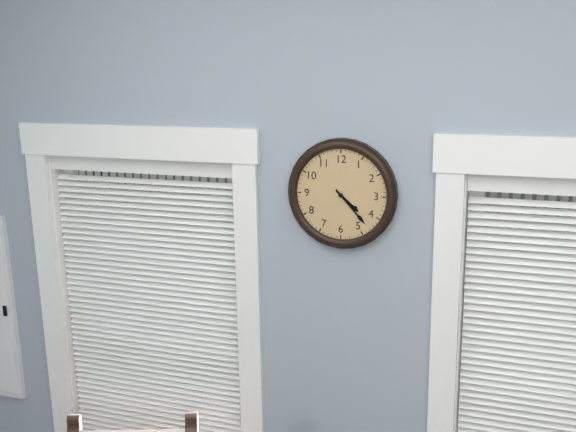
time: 4:23
